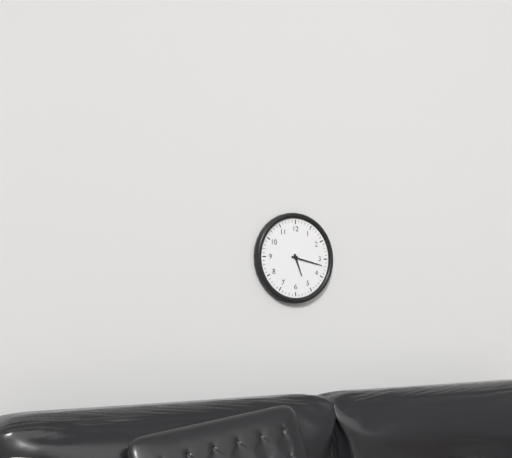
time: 5:17
